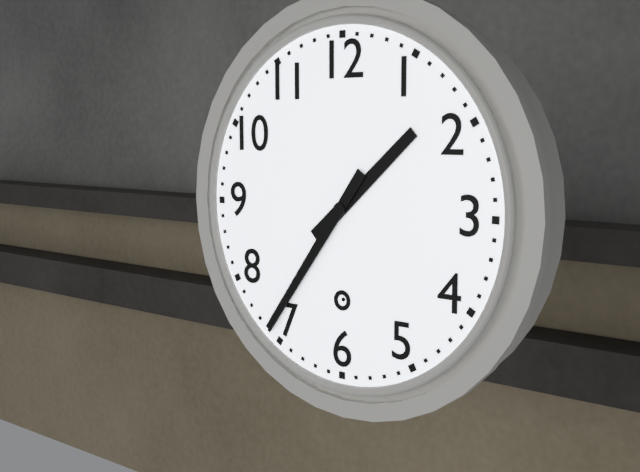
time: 1:36
